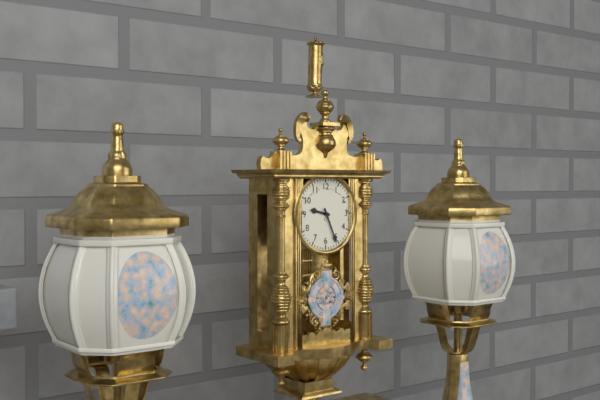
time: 9:26
